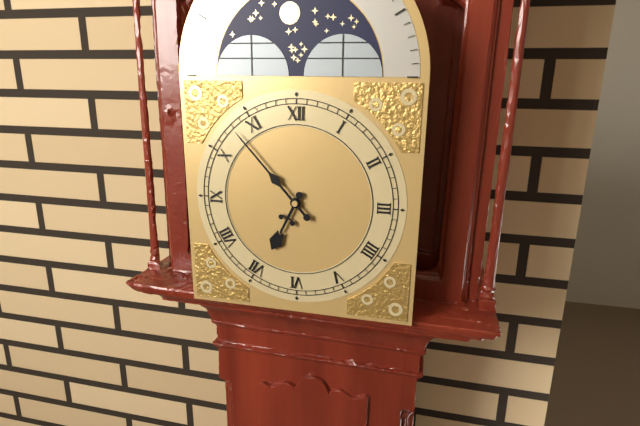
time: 6:53
